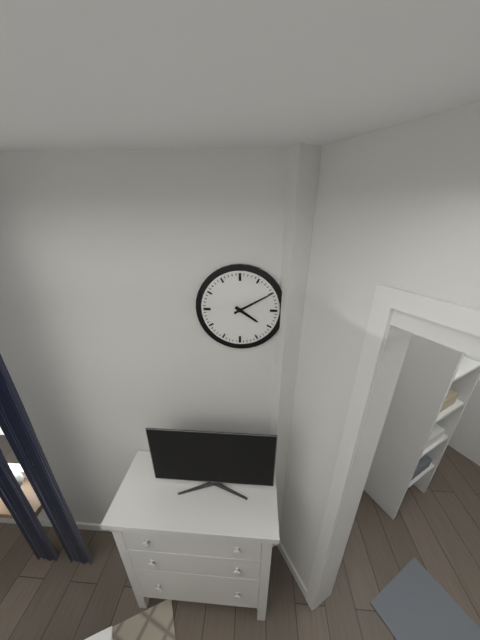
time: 4:10
